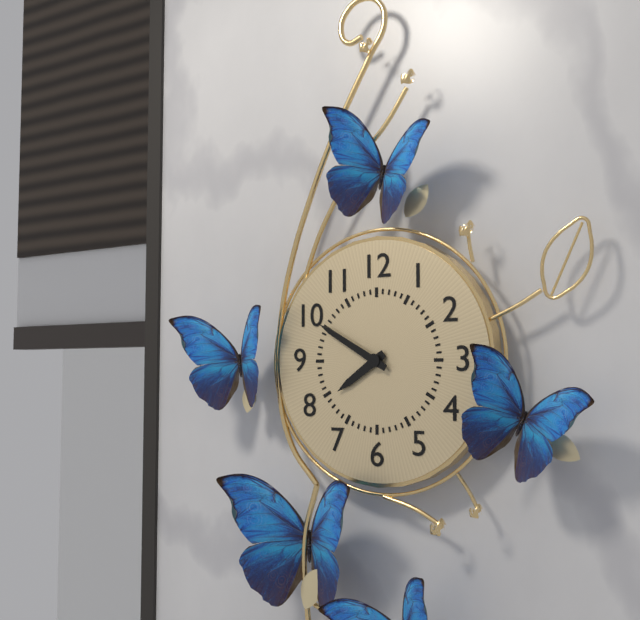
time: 7:50
